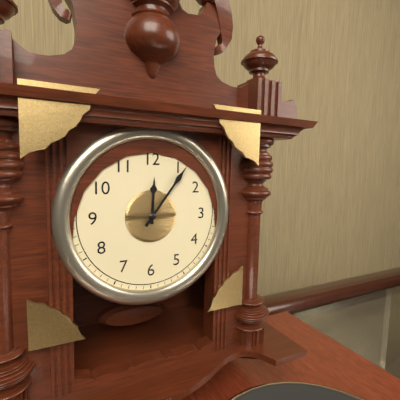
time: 12:06
